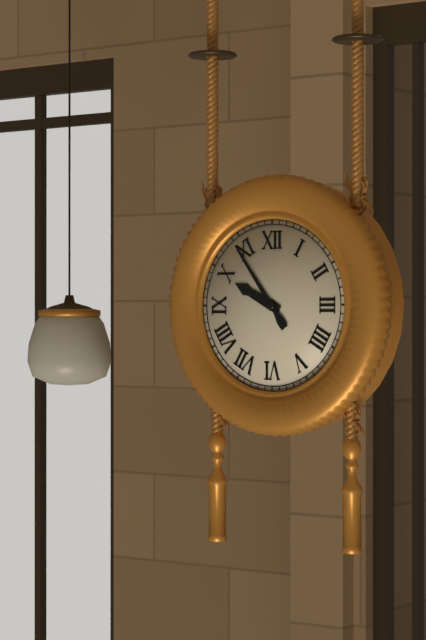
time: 9:54
